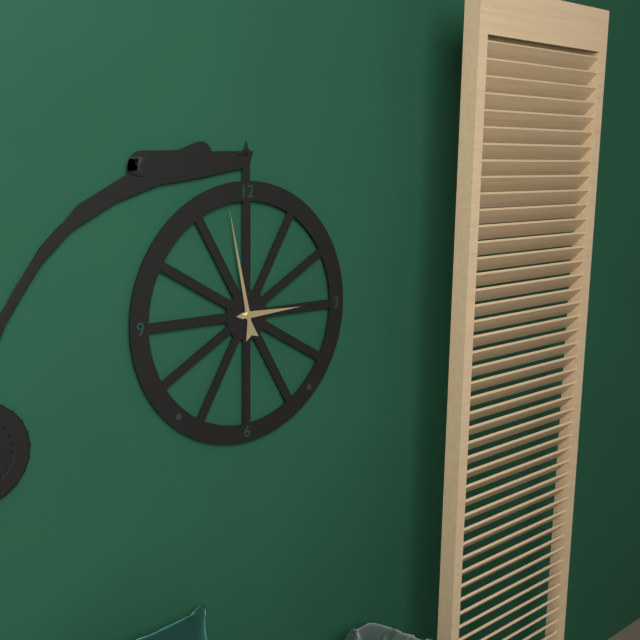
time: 2:58
